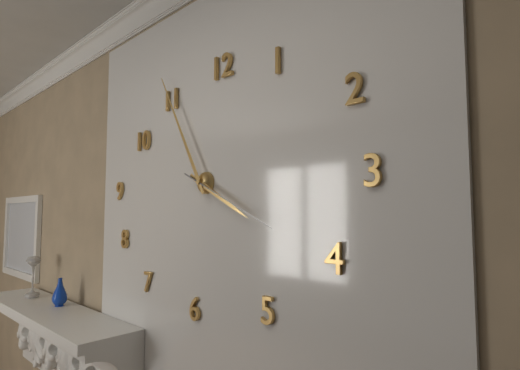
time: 3:55:19
